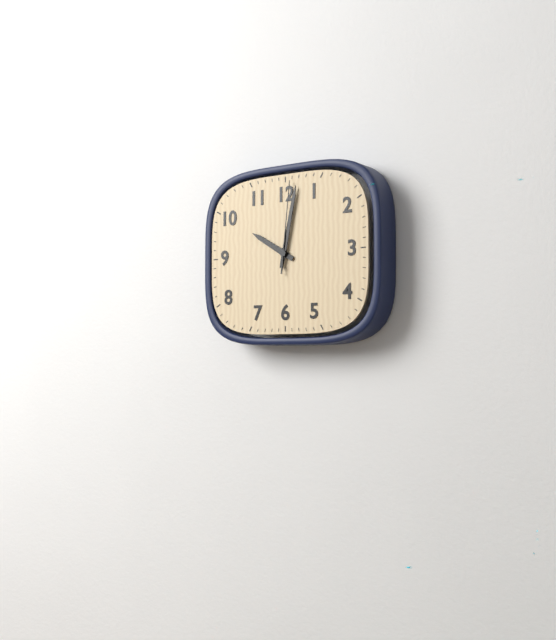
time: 10:02:01
